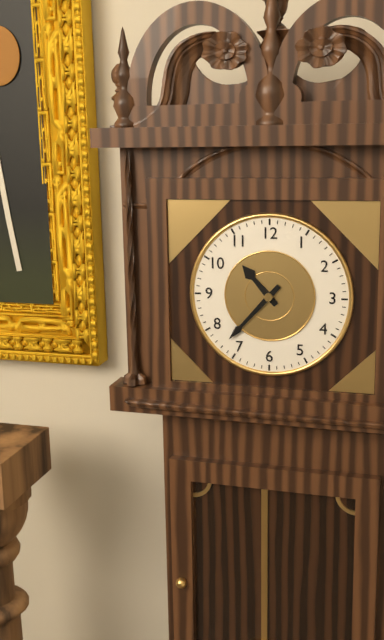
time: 10:37
